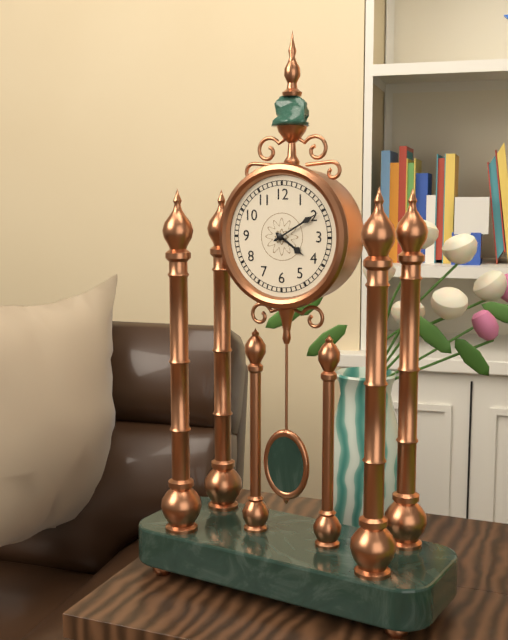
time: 4:10
